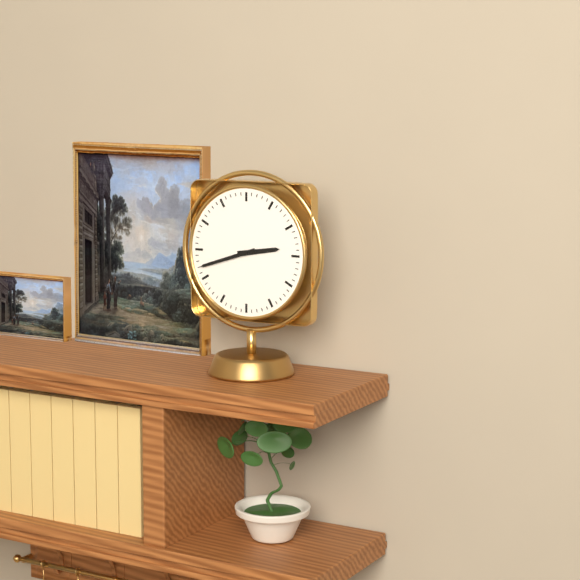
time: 2:42
